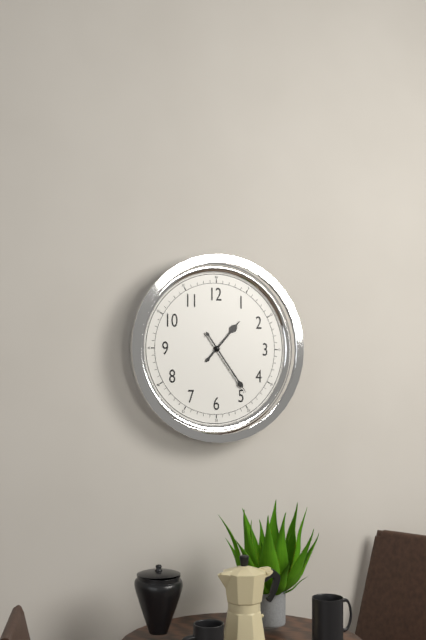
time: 1:24
